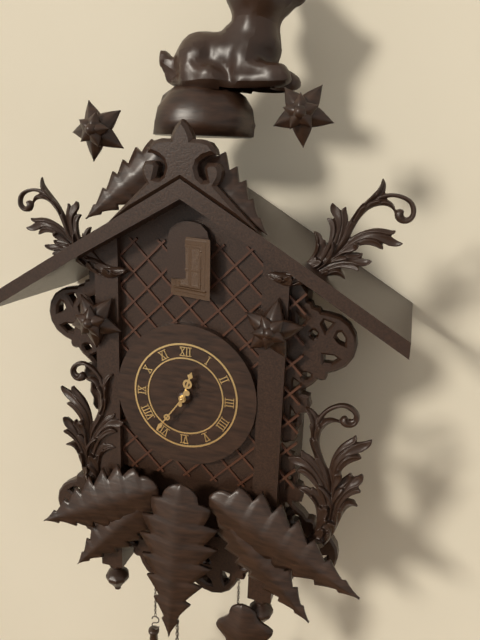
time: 12:36
